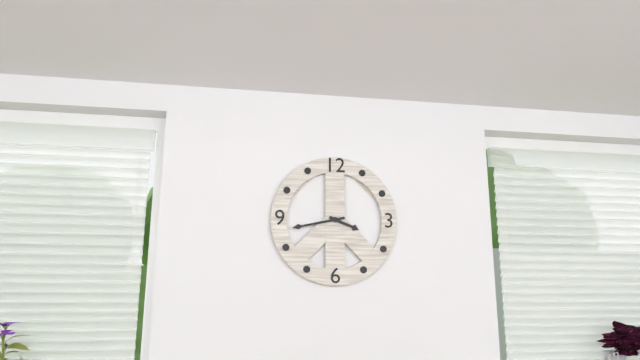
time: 3:43
